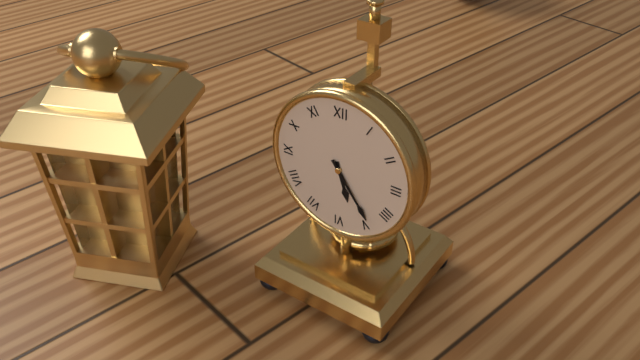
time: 5:24
